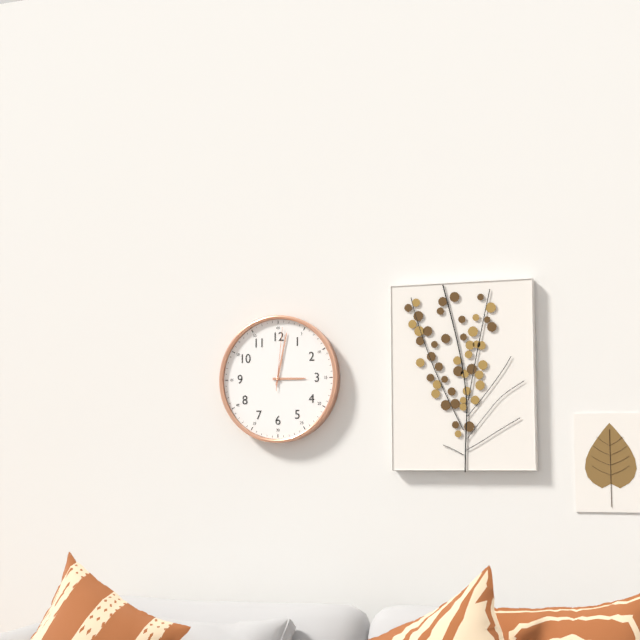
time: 3:02:01
